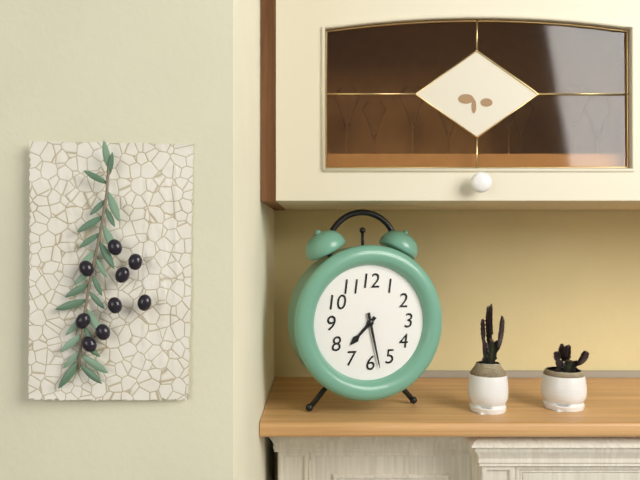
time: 7:28
